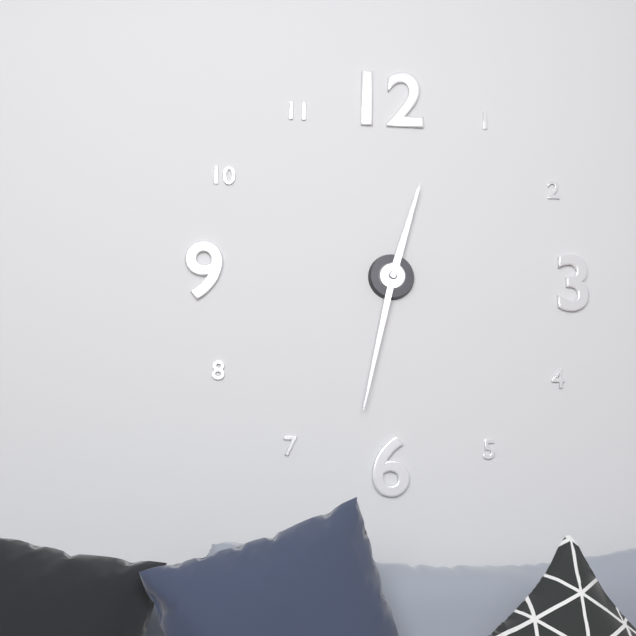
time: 12:32
